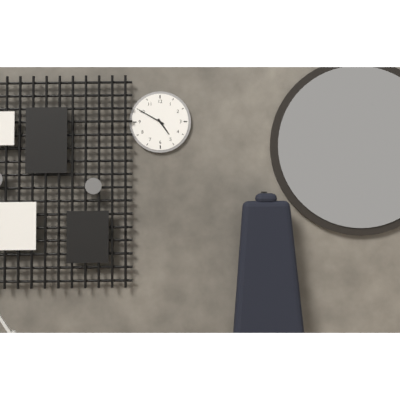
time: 4:50
